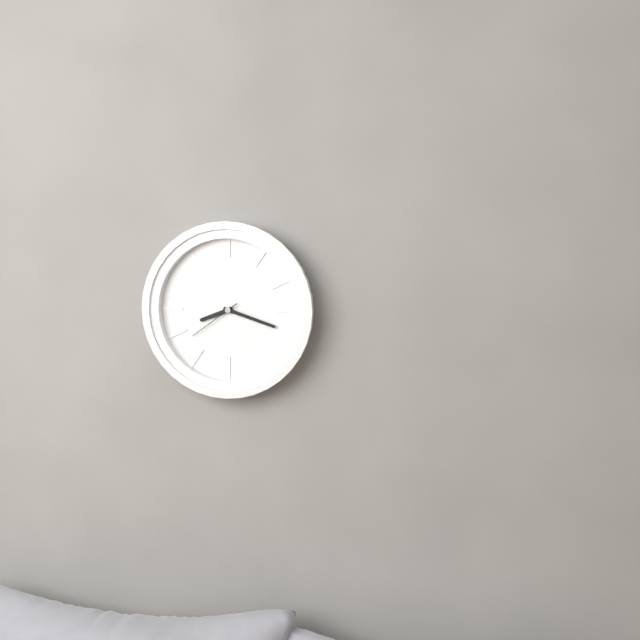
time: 8:18:39
